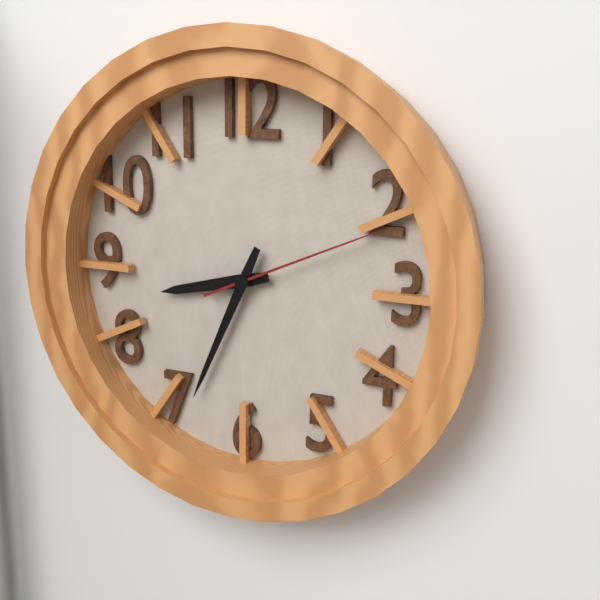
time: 8:34:11
